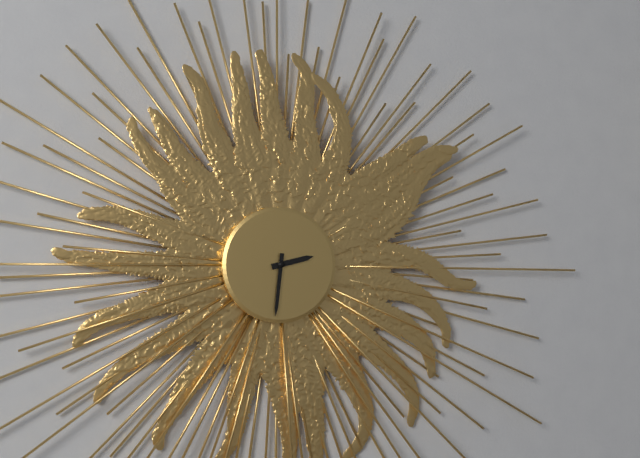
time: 2:31
